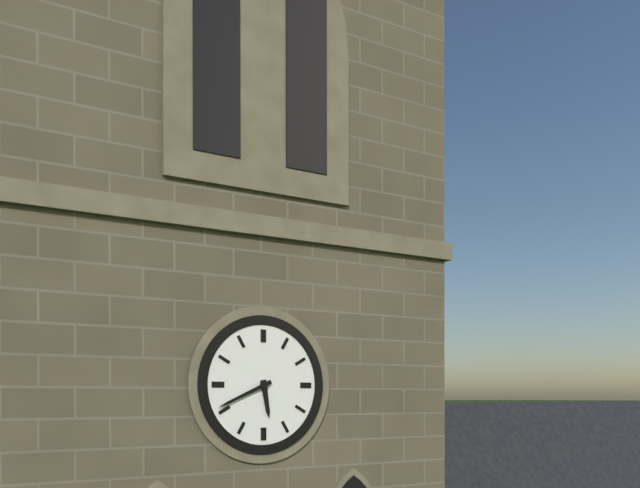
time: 5:41
